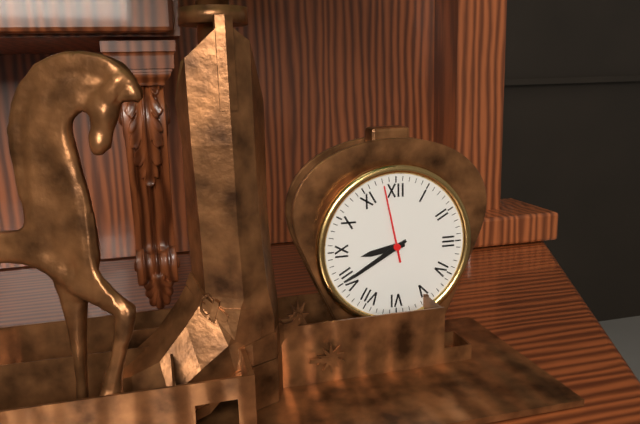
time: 8:40:58
